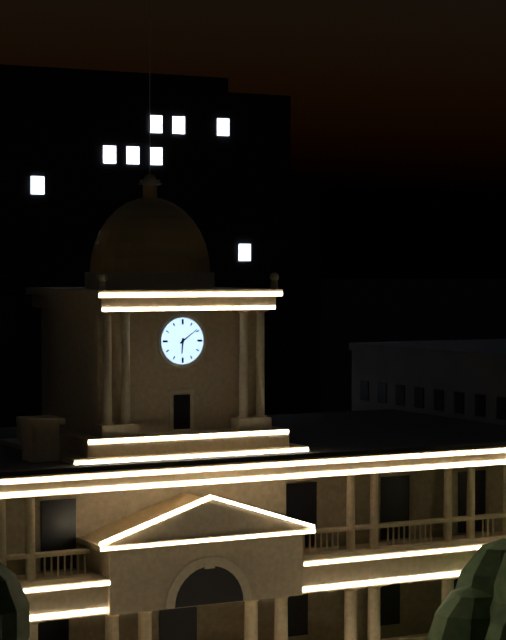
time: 6:09
